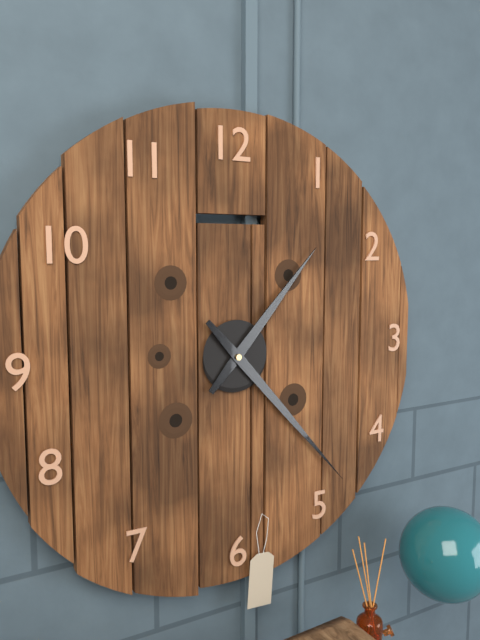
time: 1:23
